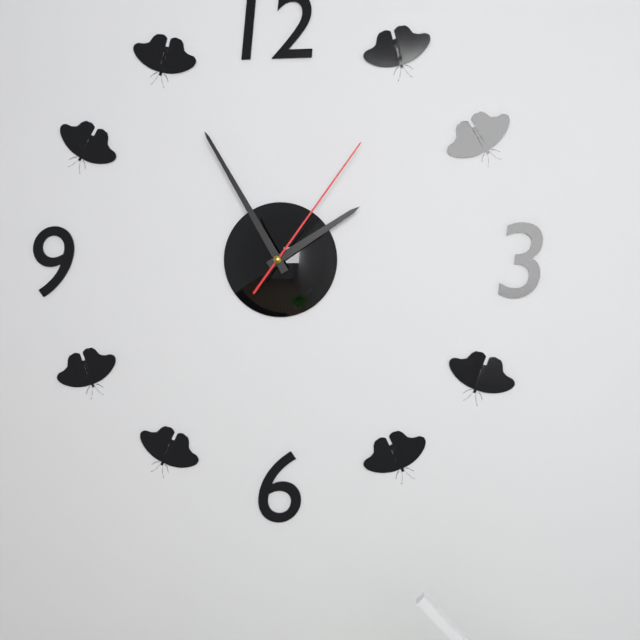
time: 1:55:06
